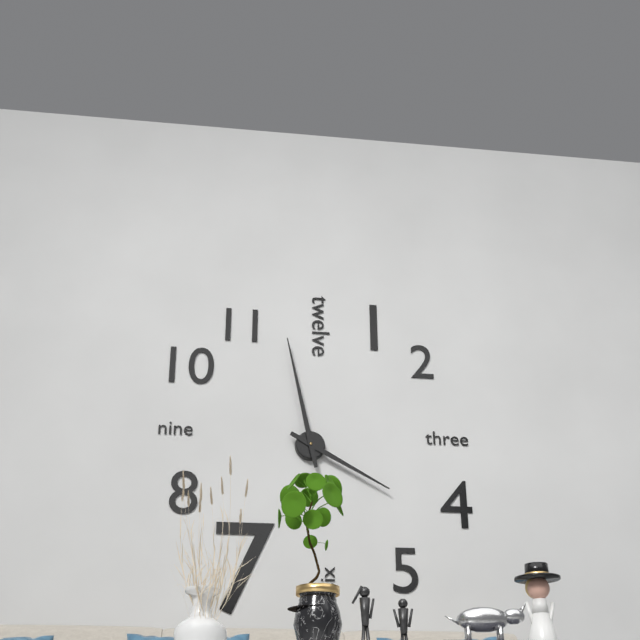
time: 3:58
